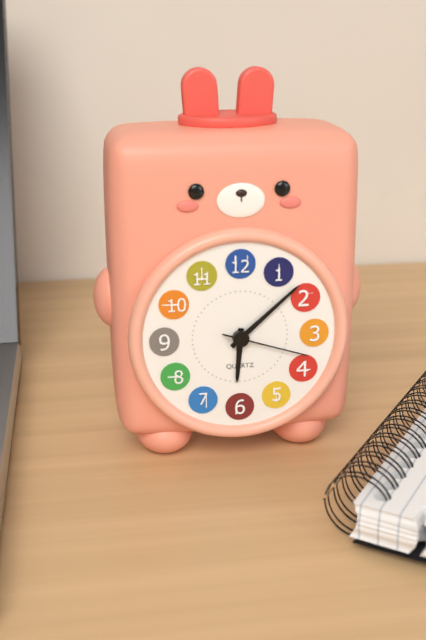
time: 6:08:18
